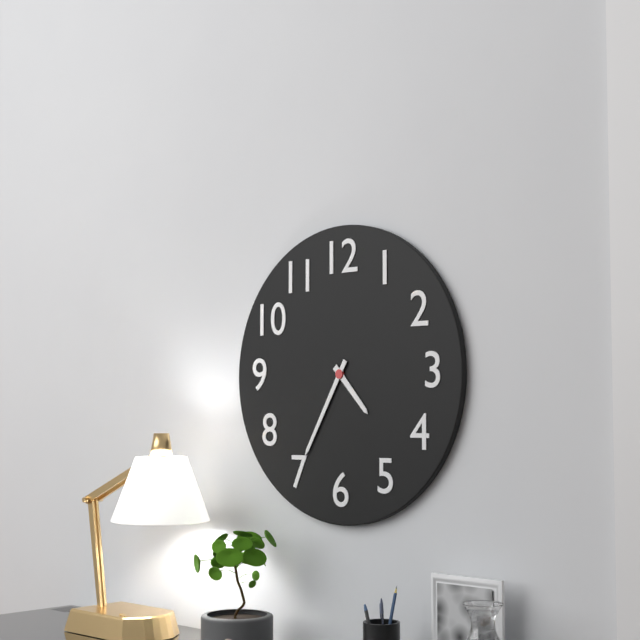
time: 4:35
